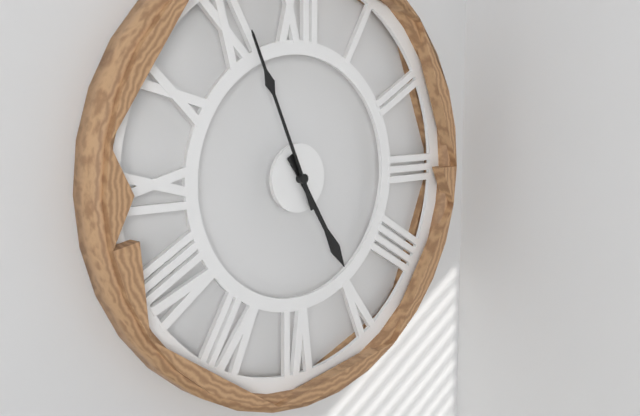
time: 4:56
